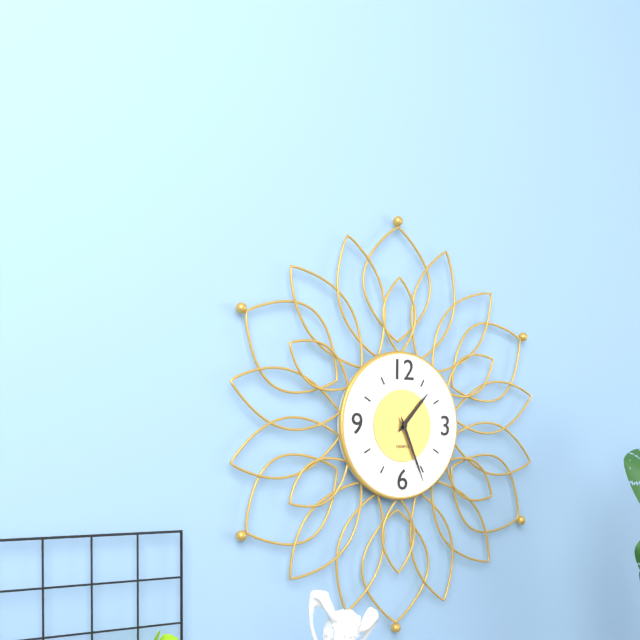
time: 1:26
